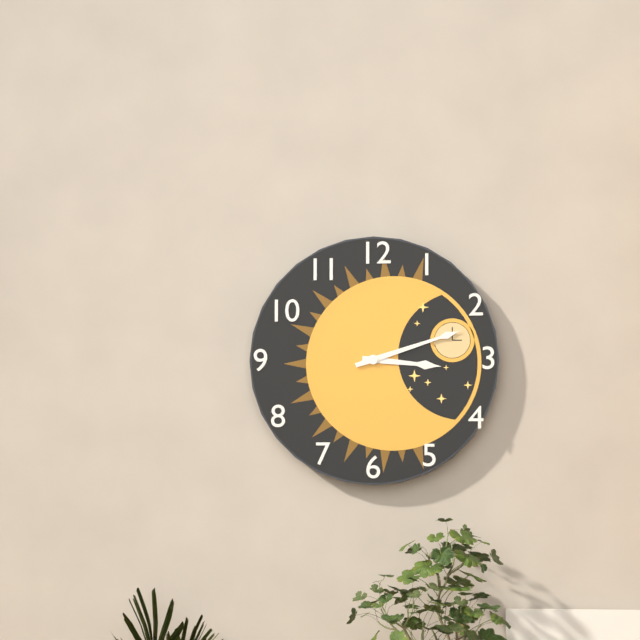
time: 3:12
